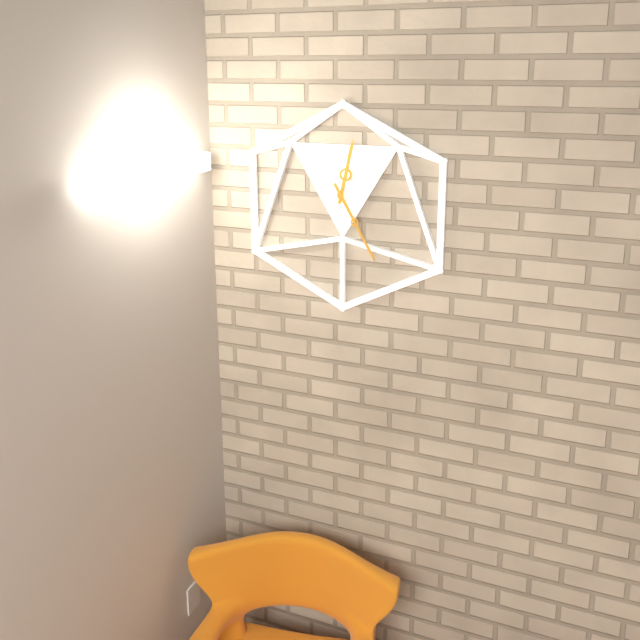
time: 12:25
